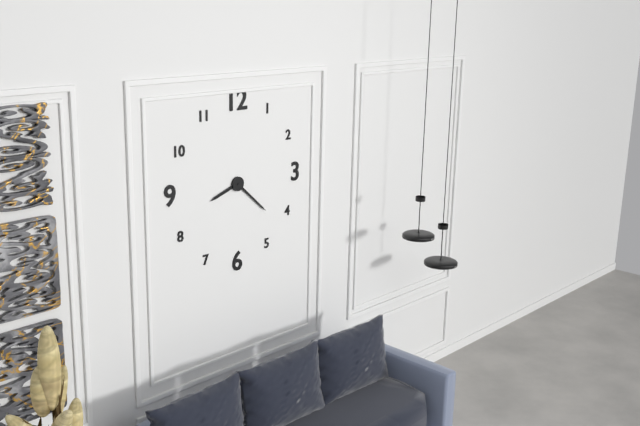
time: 8:22
